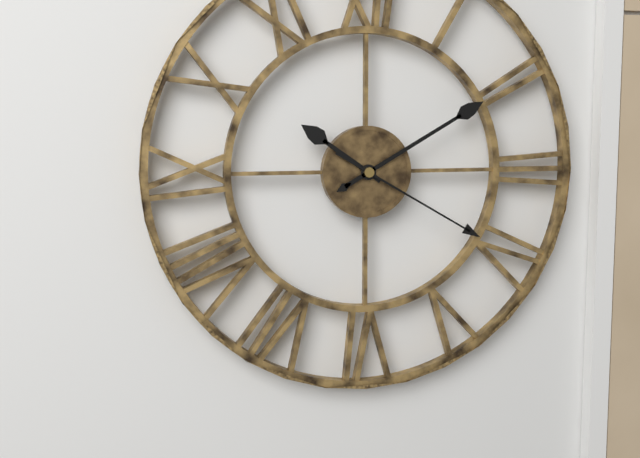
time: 10:10:20
